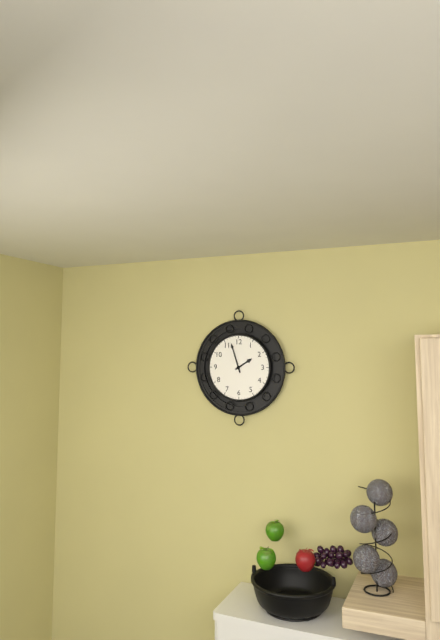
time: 1:57
